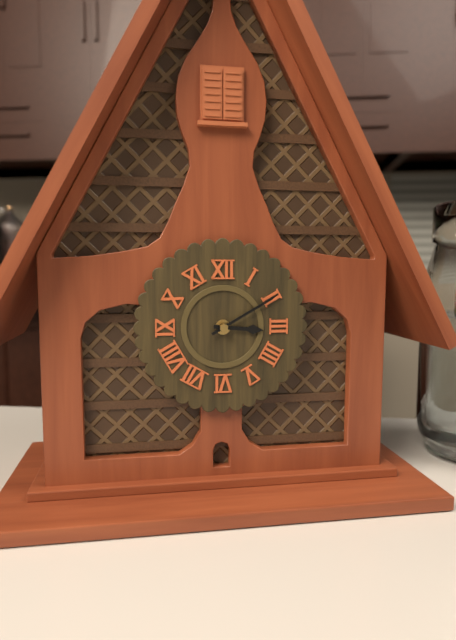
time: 3:10
